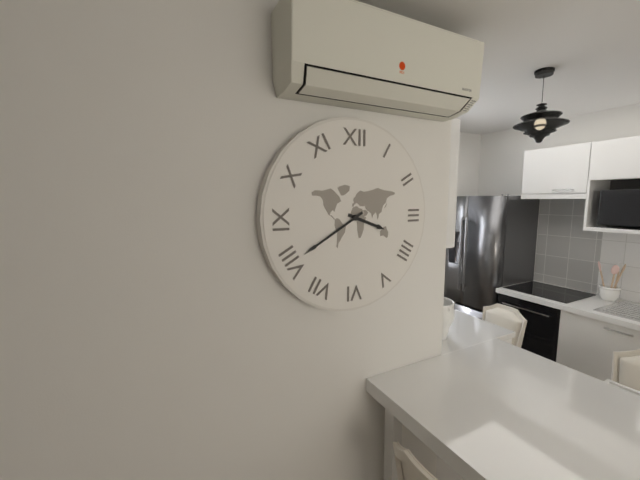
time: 3:40
